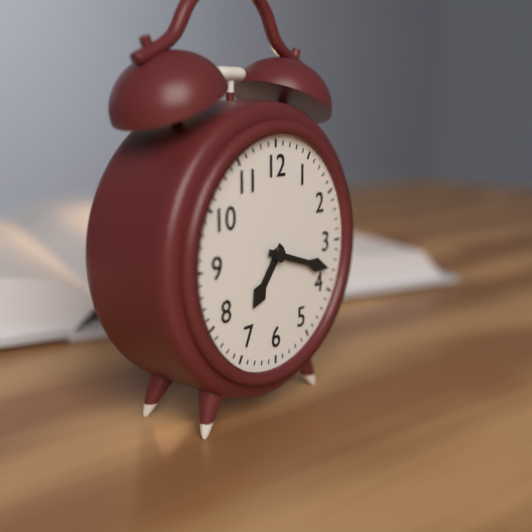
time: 7:18
